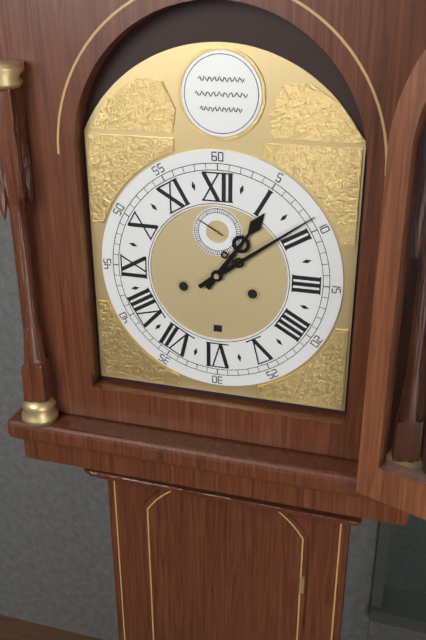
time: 1:09
